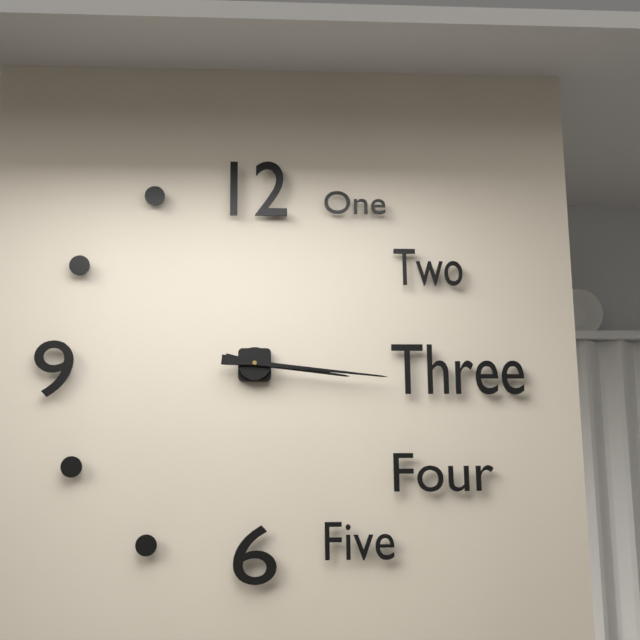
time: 3:16
